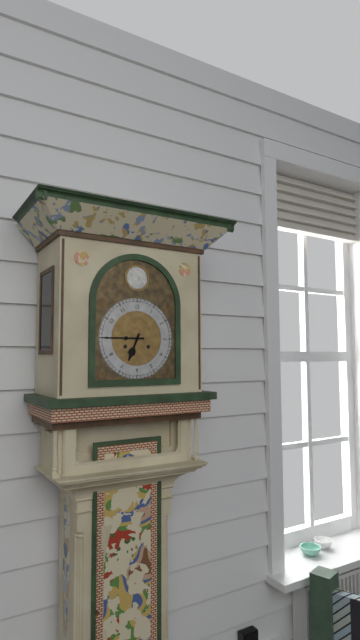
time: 6:45
